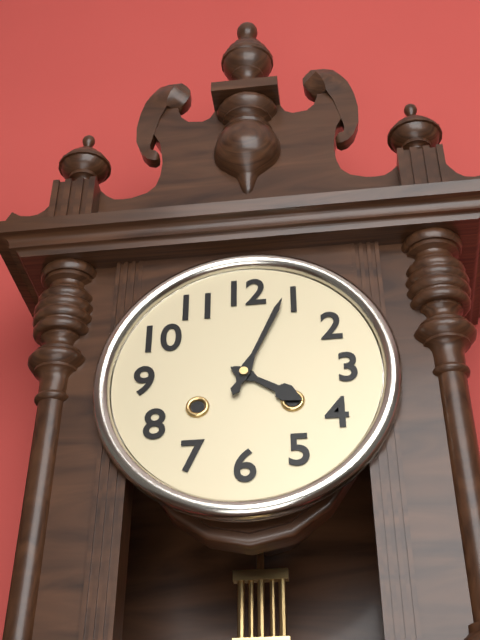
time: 4:04
